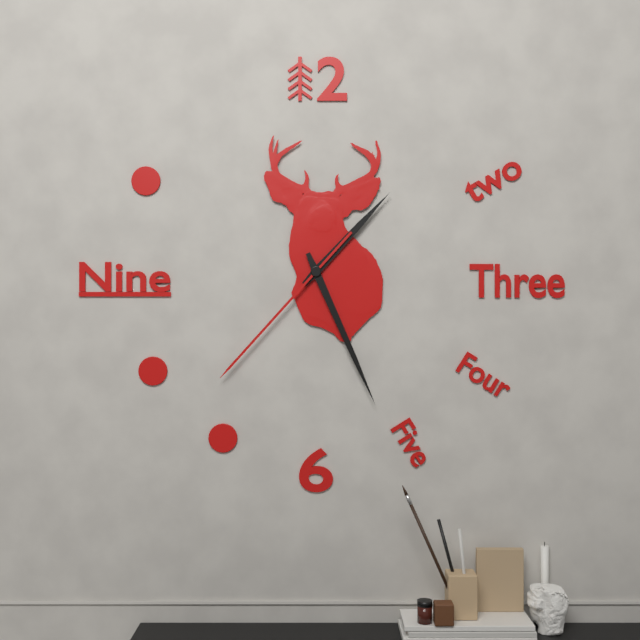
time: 1:26:37
